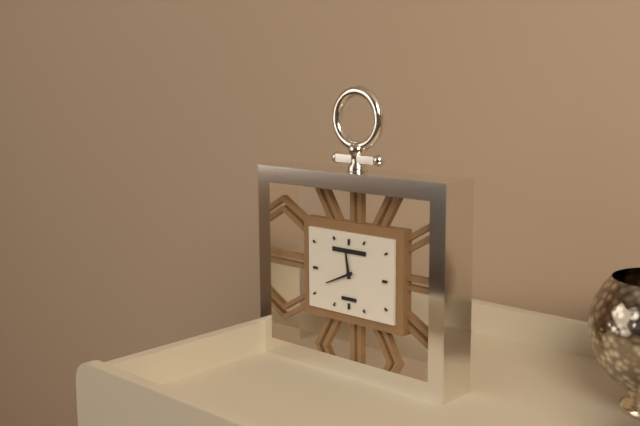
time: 11:41
